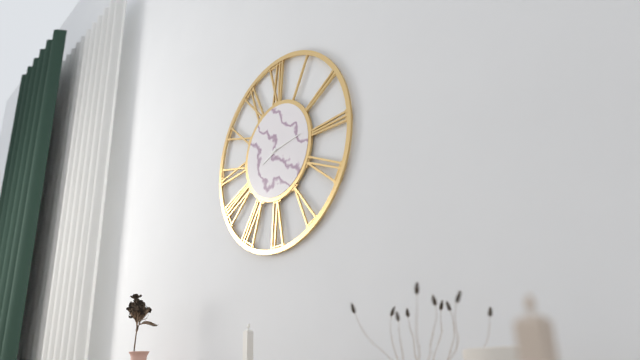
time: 8:14
